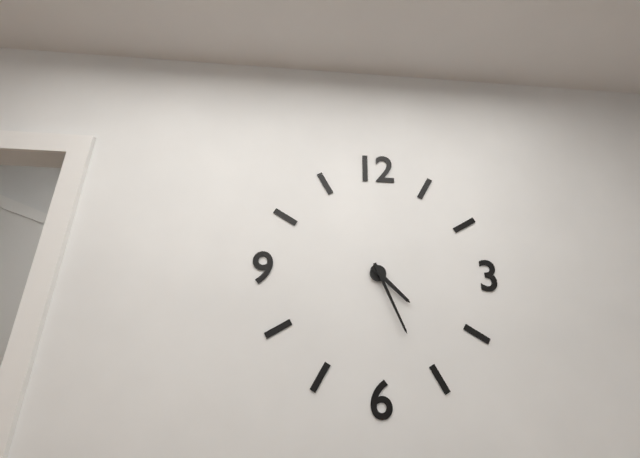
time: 4:26
